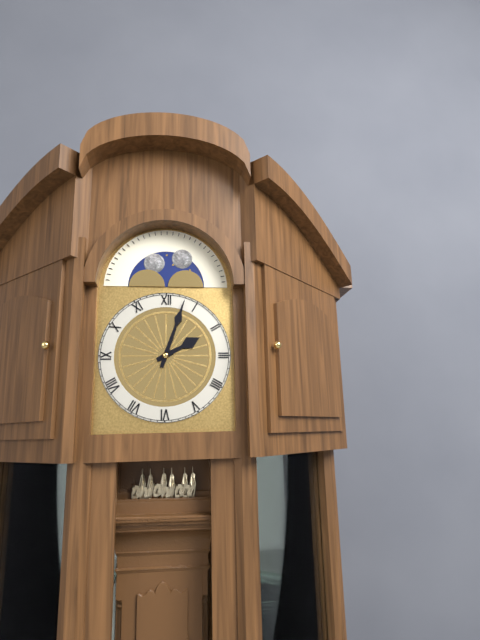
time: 2:03
